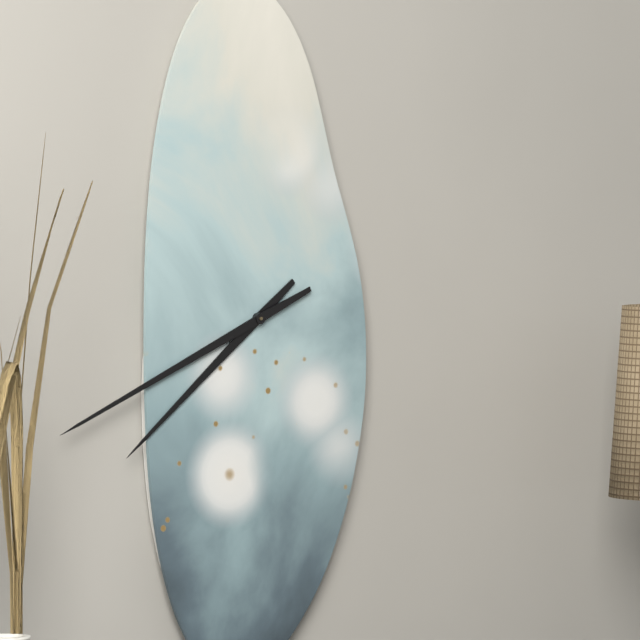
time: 7:41
